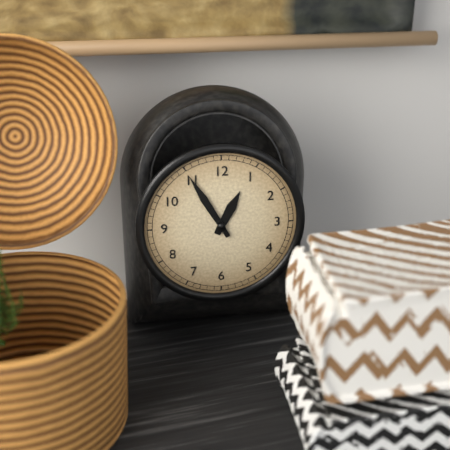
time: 12:55
